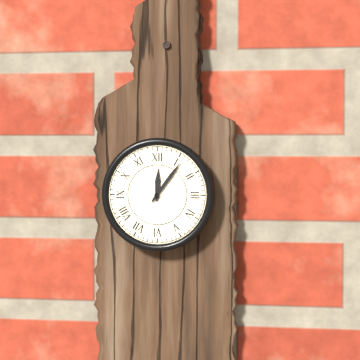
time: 12:06
